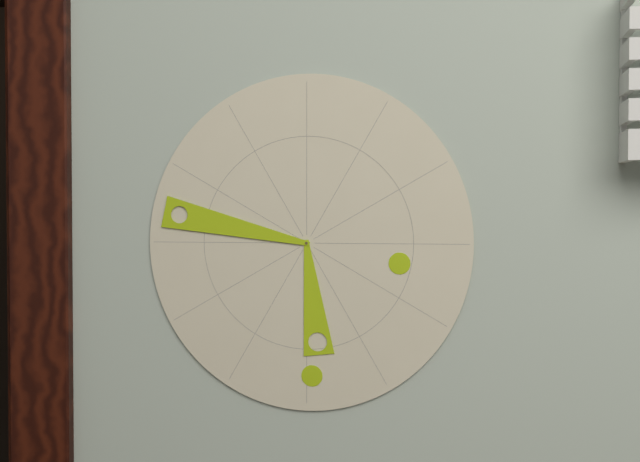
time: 5:47
